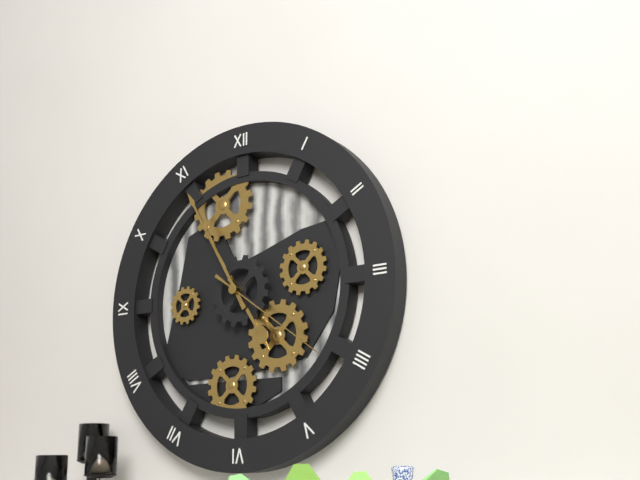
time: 4:55:21
